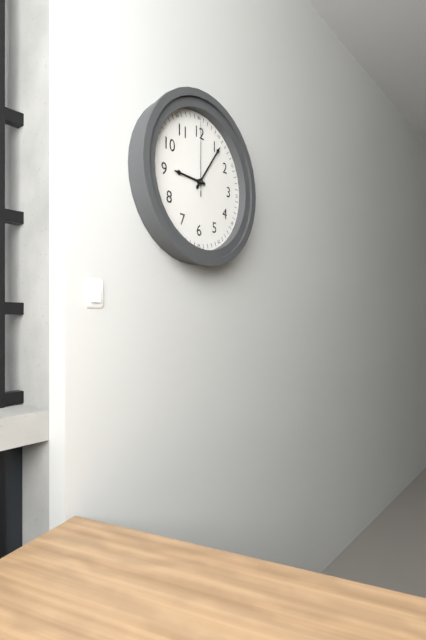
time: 9:06:00
